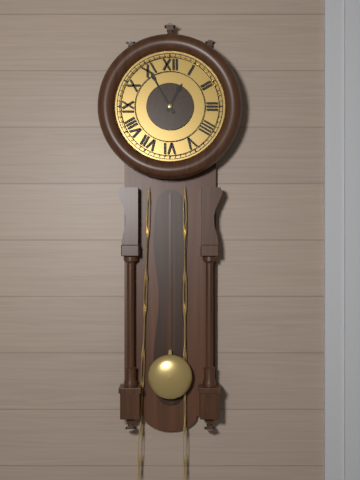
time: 12:55
